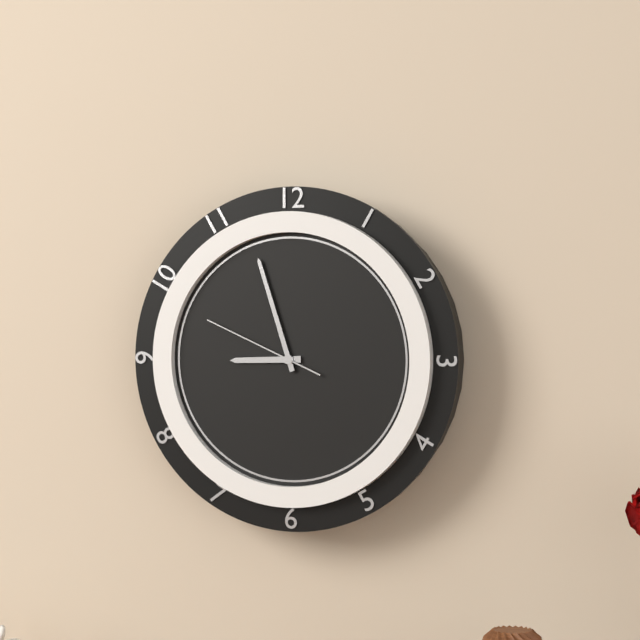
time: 8:57:49
